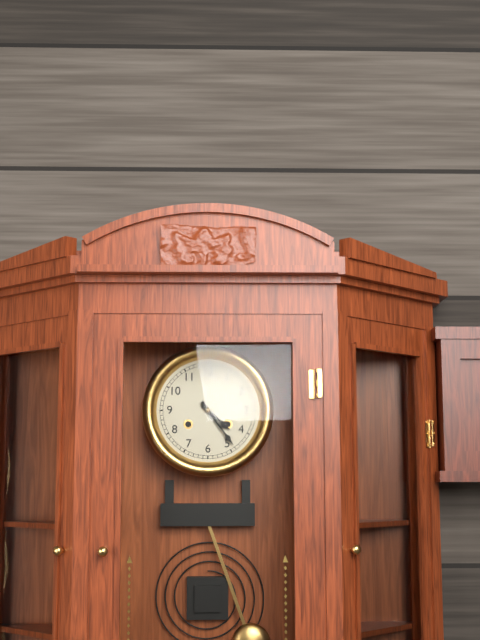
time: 4:24
